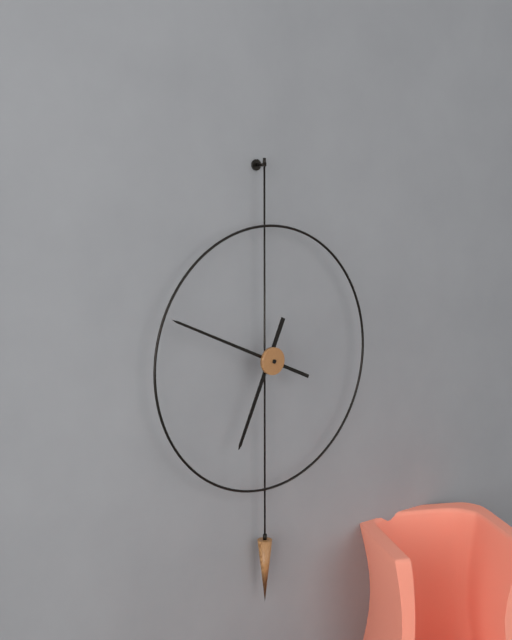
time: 6:49
